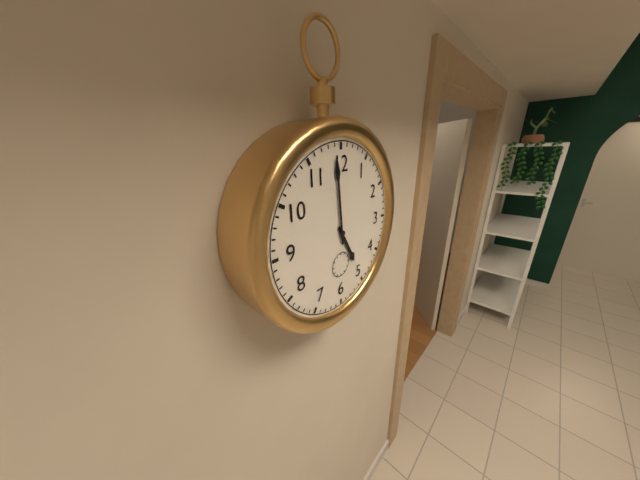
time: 4:59
